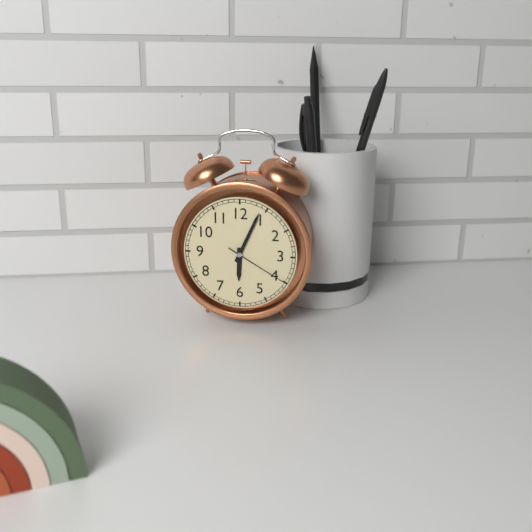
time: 6:04:20
